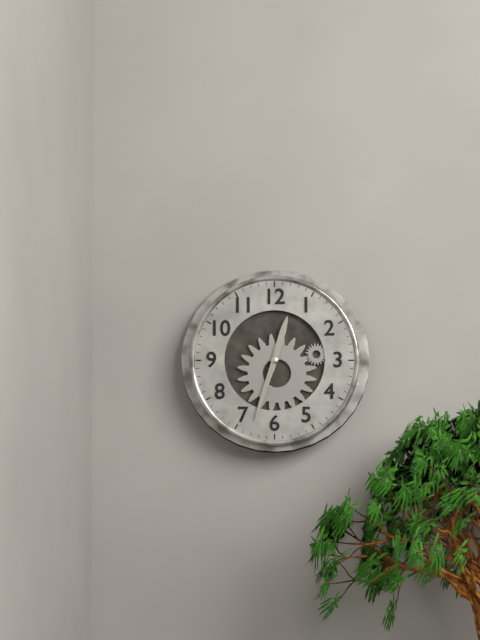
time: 12:33
